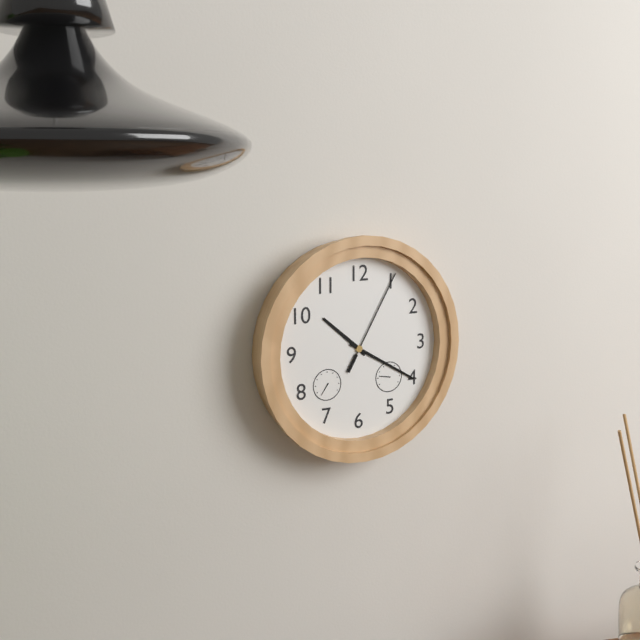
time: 10:20:05
